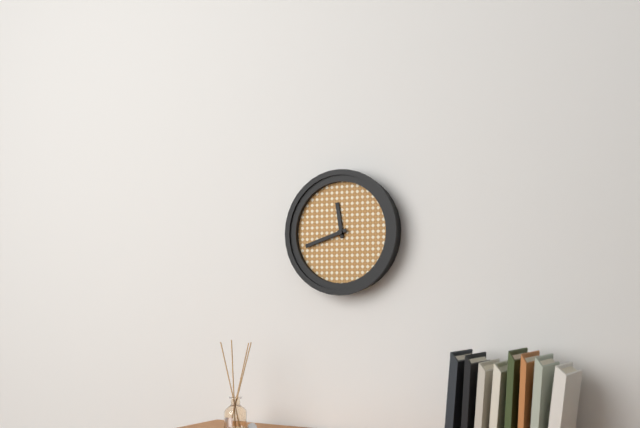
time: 11:42
